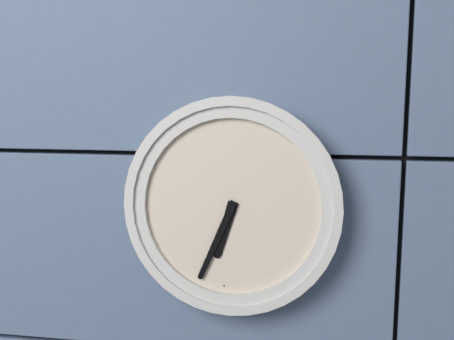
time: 6:34
